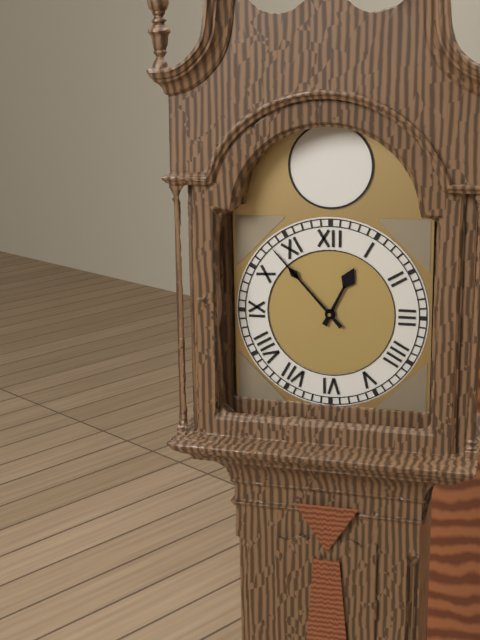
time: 12:53
